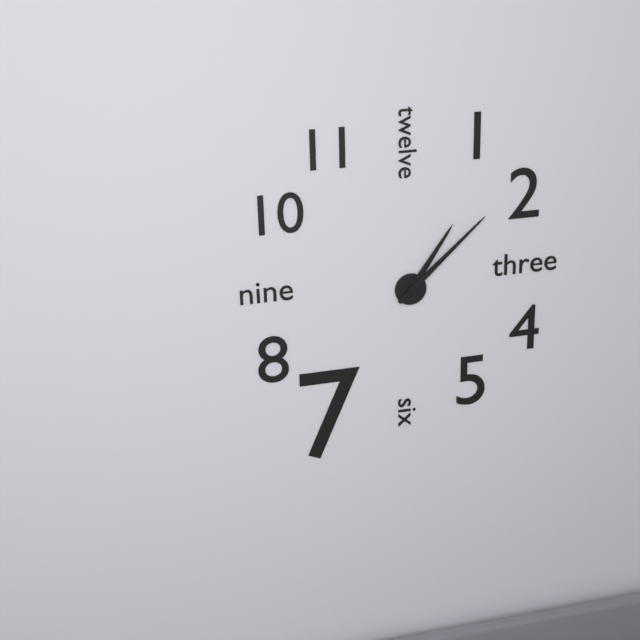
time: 1:08
